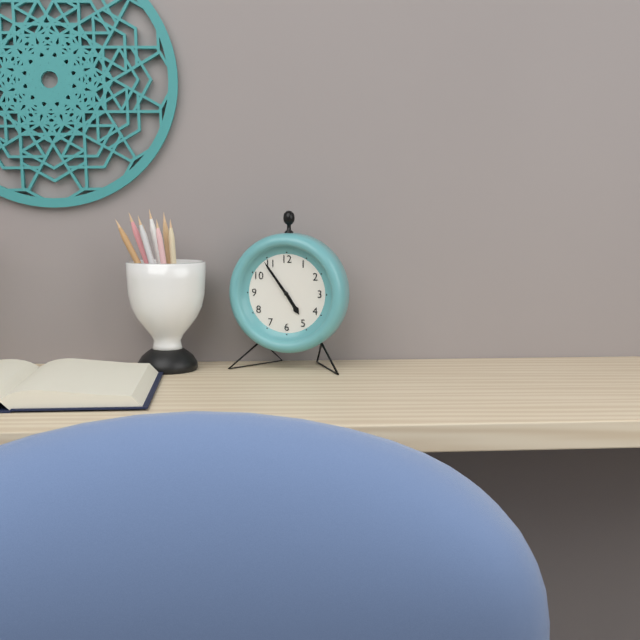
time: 4:54
